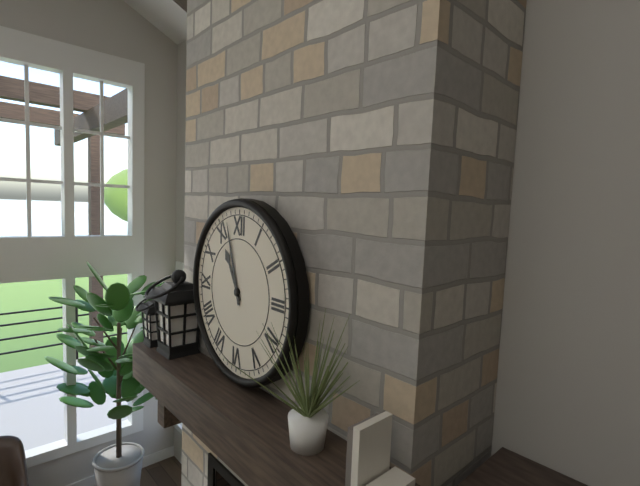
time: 10:57
